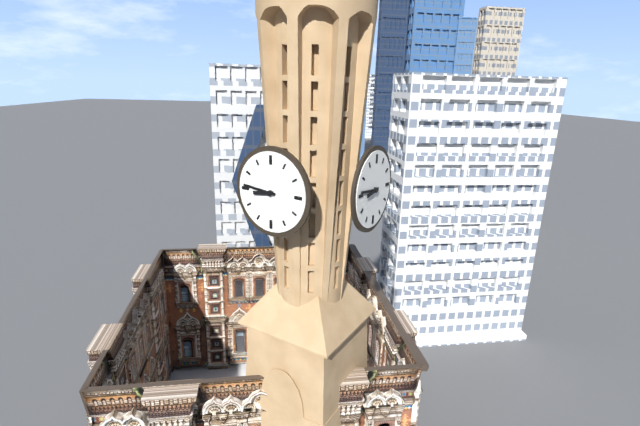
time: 8:46
